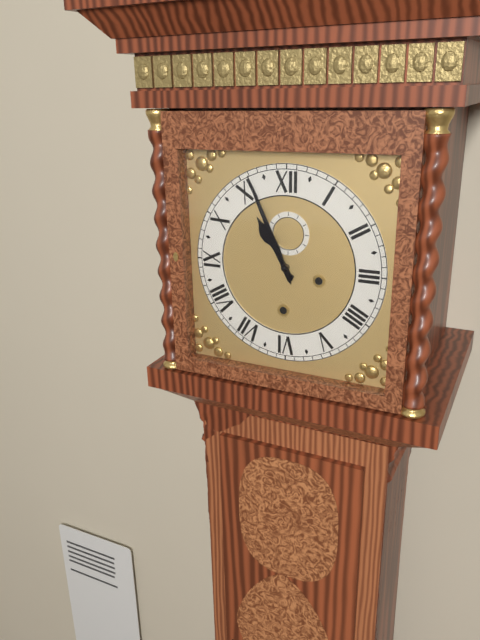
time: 10:56
